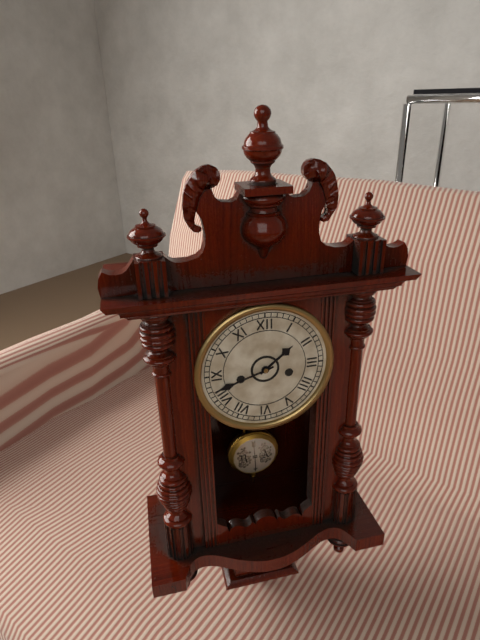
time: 1:42
